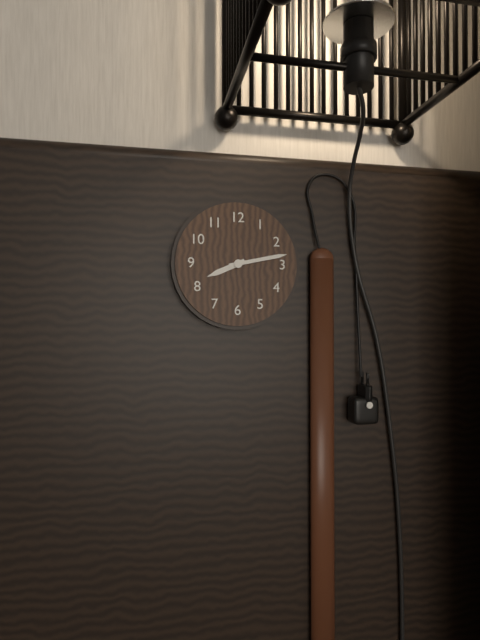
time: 8:13
